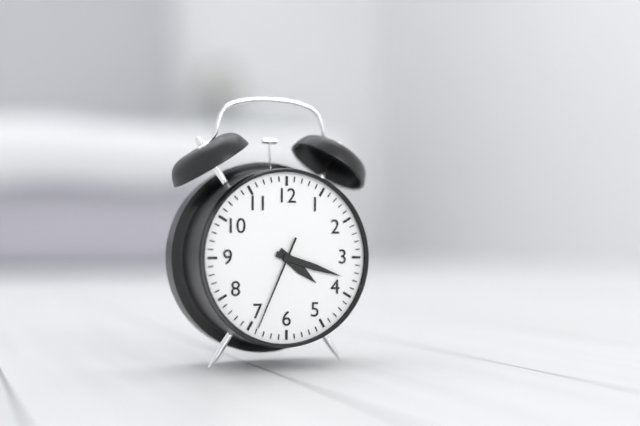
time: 4:18:34
